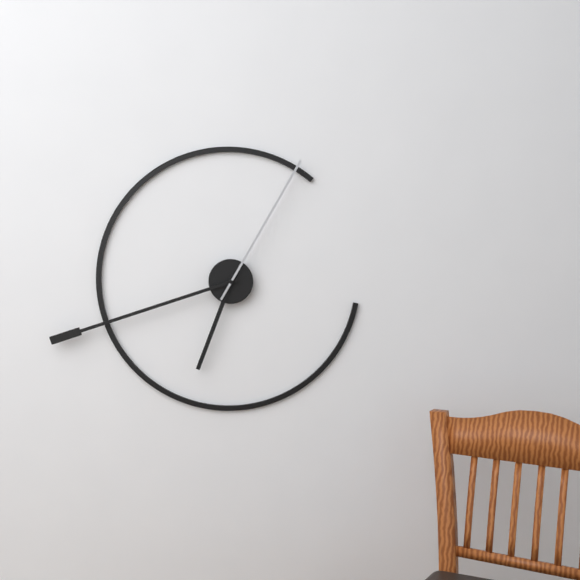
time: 6:42:05
